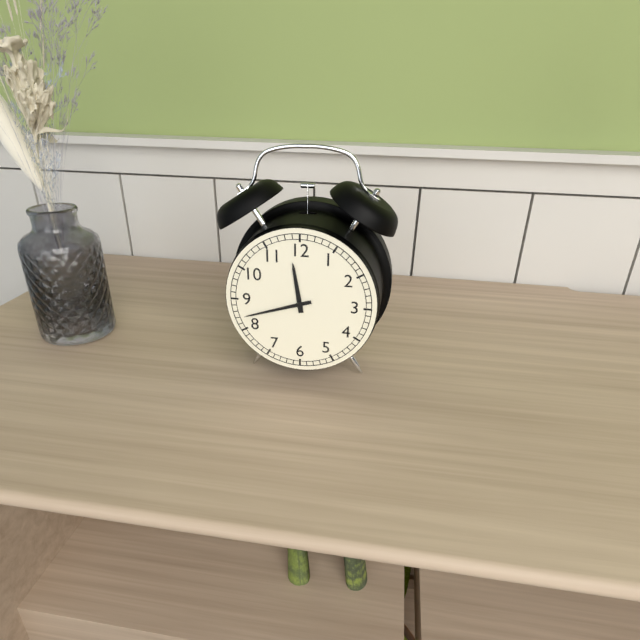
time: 11:42
